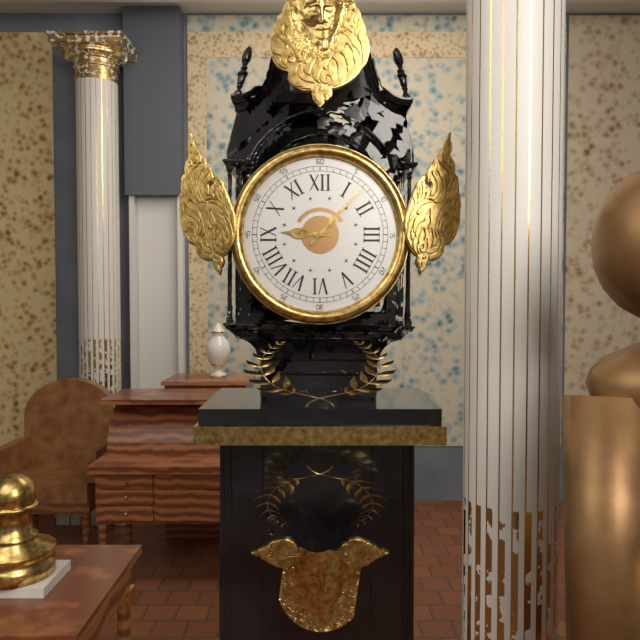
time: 9:07
